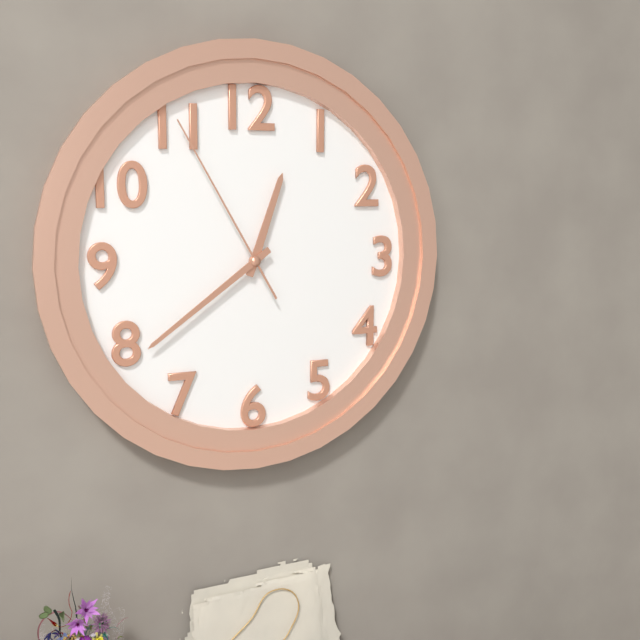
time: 12:39:55
